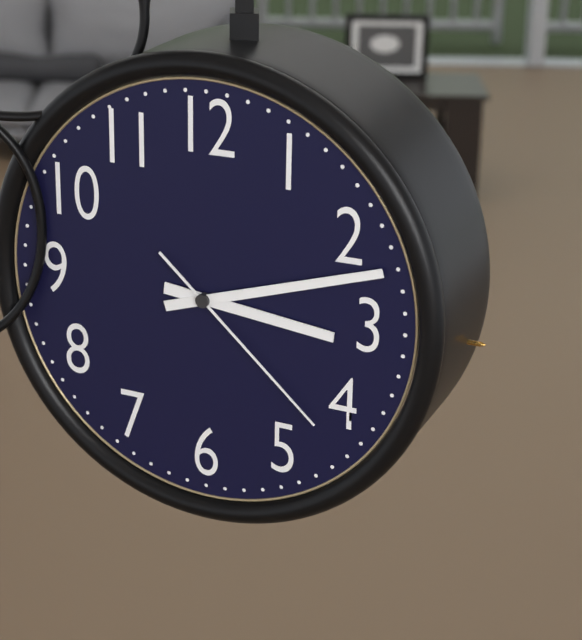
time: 3:12:22
